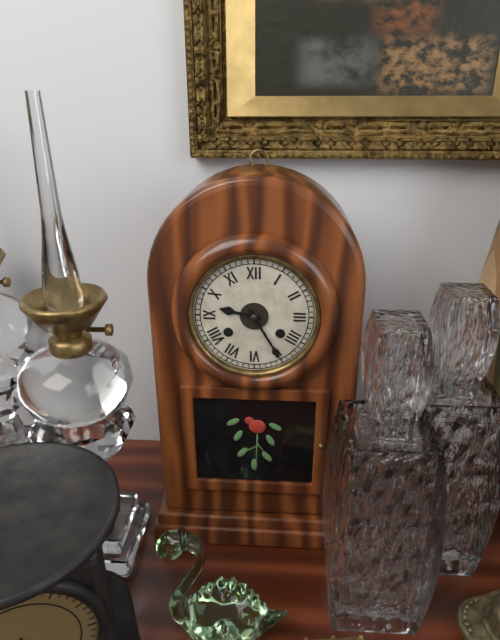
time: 9:25
